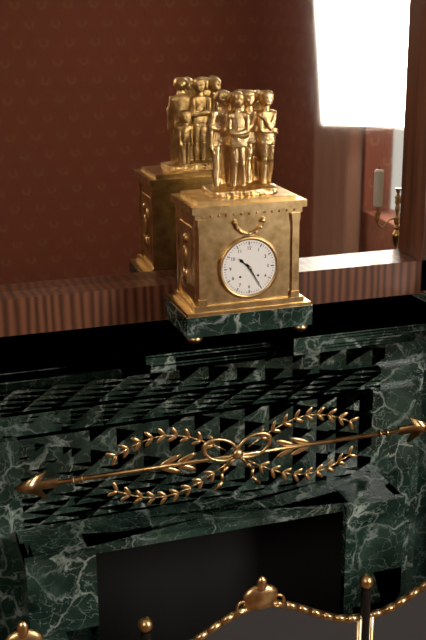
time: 10:25
